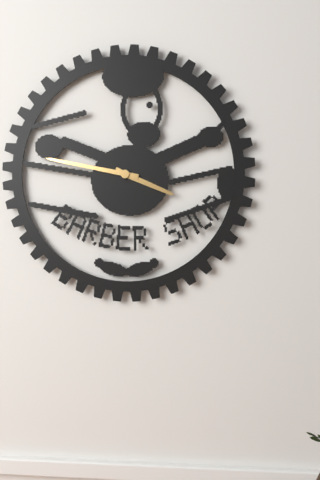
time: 3:47
